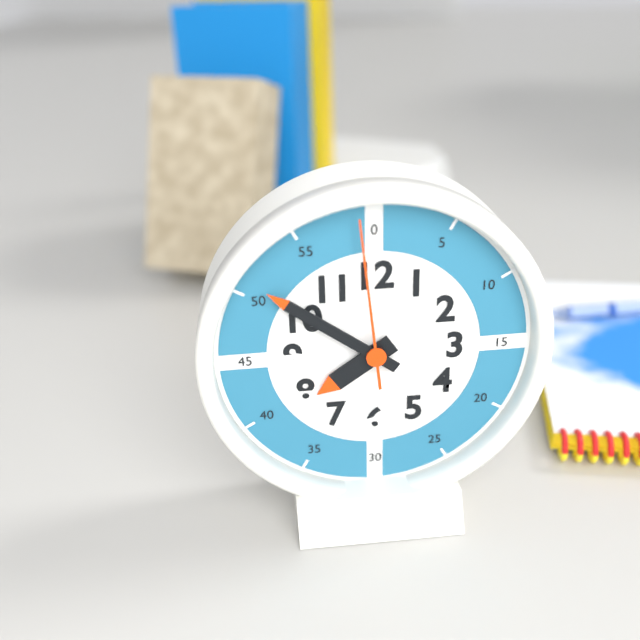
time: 7:51:59
